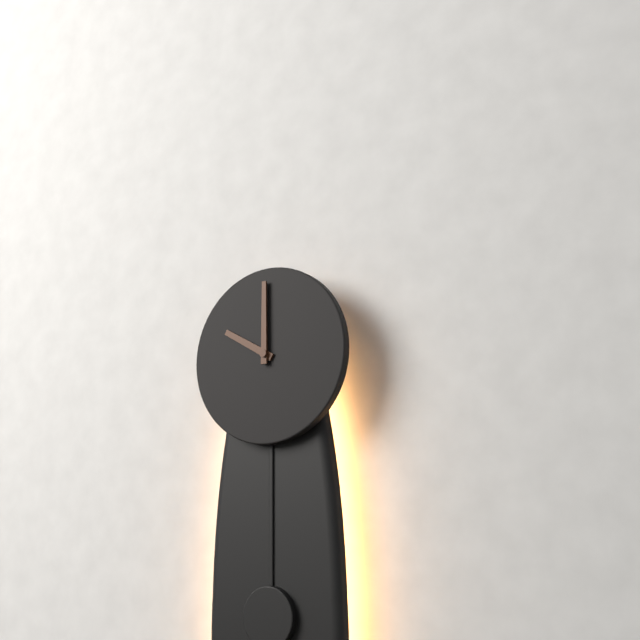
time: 10:00
